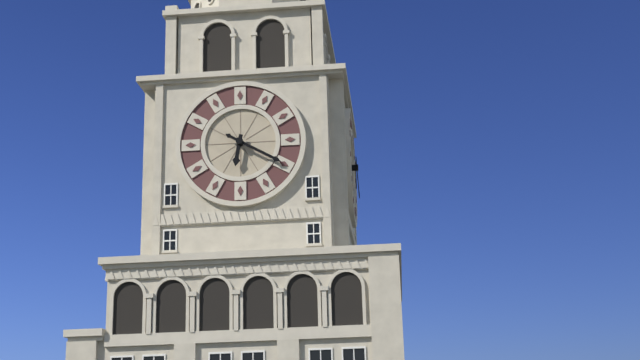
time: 6:20
